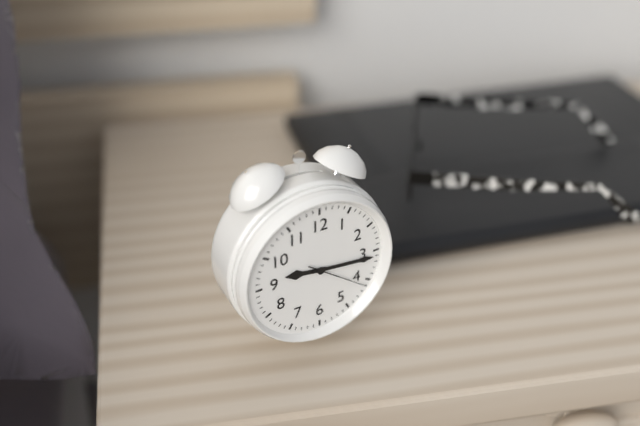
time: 9:16:21
